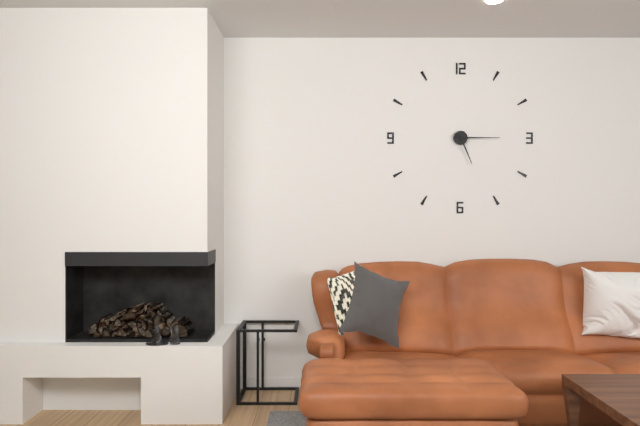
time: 5:15
